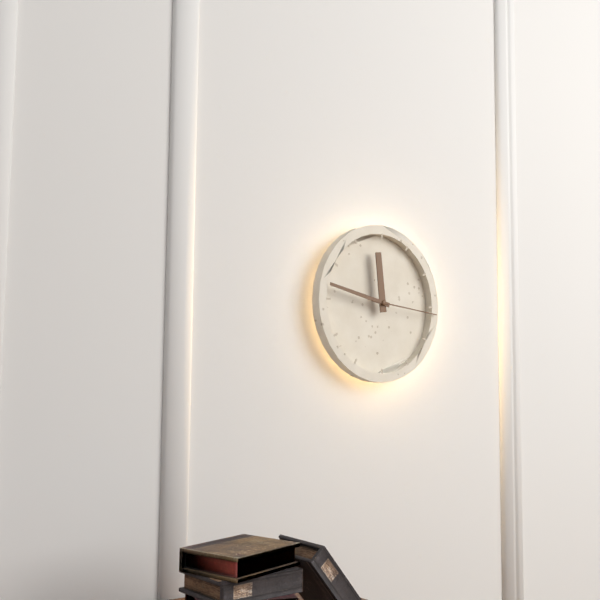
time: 11:47:16
